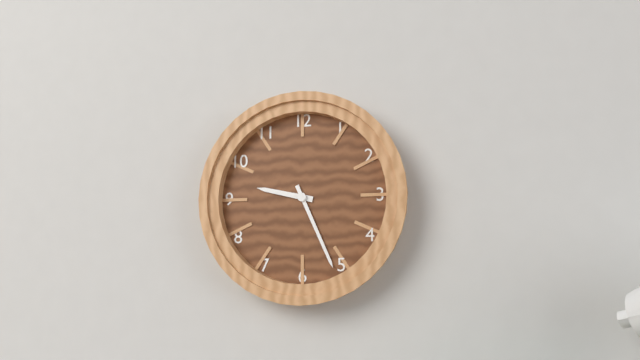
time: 9:26
